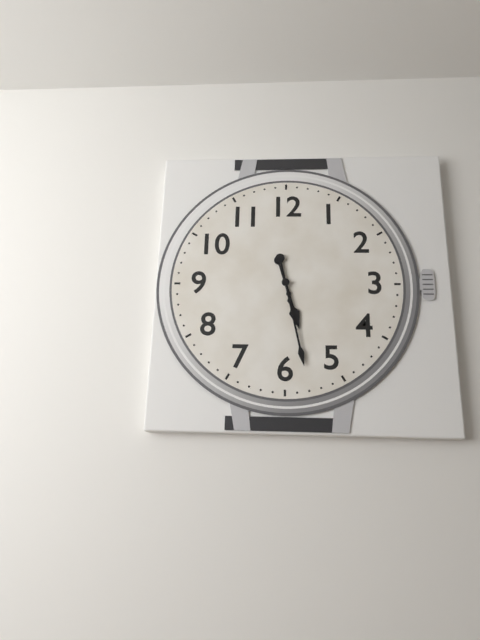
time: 5:28
